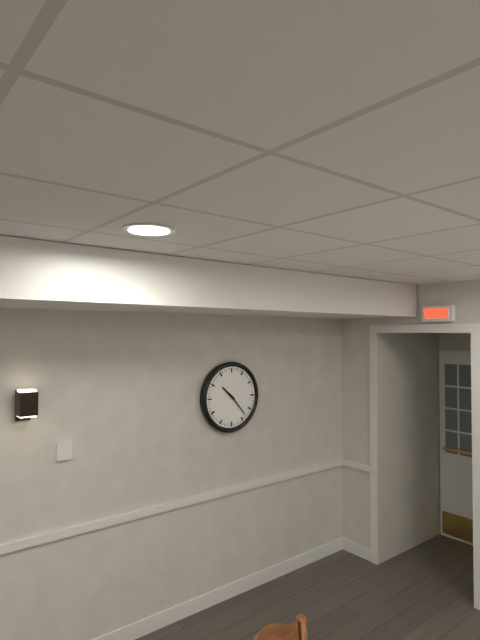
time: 10:23
